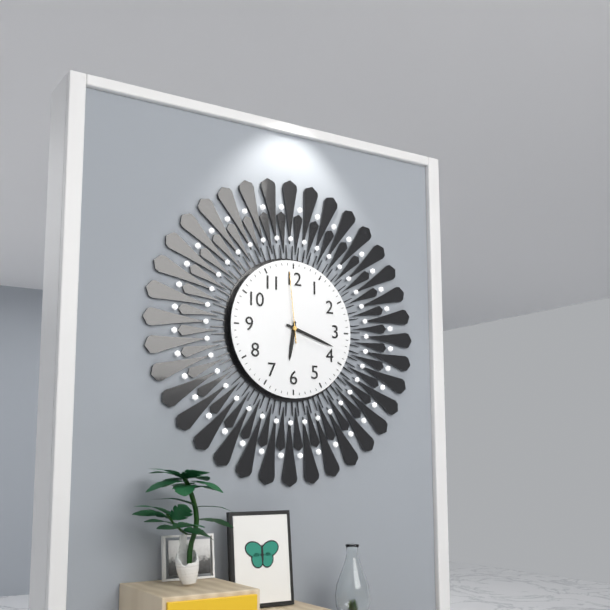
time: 6:18:59
